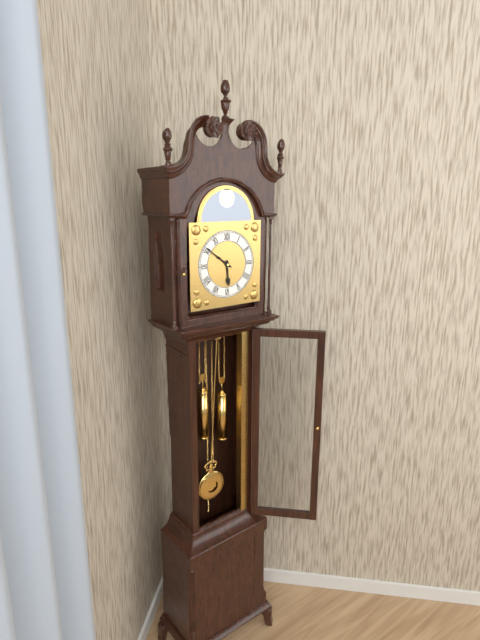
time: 5:51
